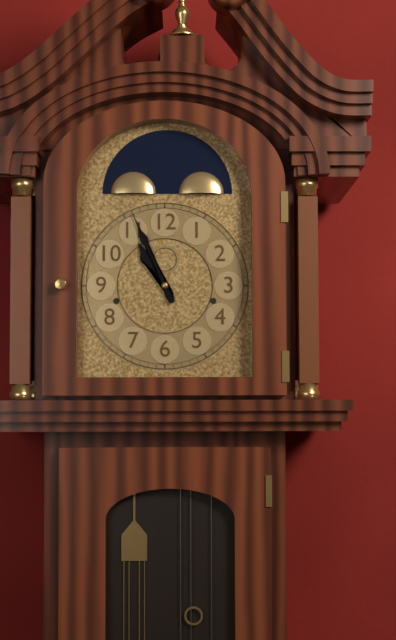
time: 10:56
